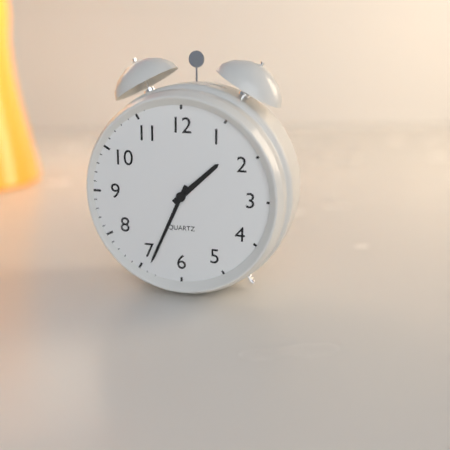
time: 1:34
